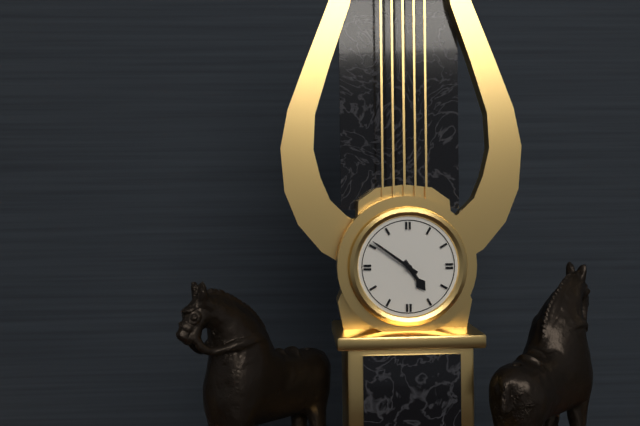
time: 4:51
